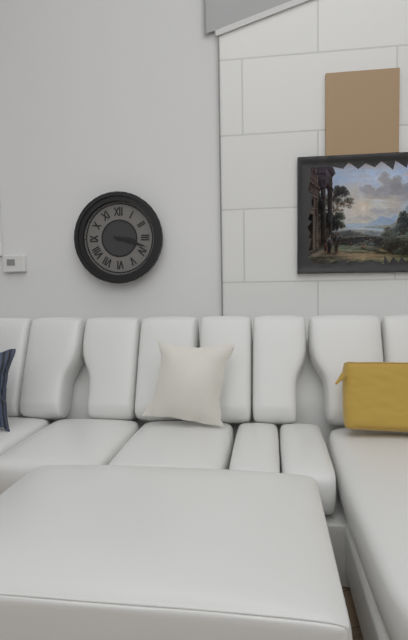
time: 3:18
